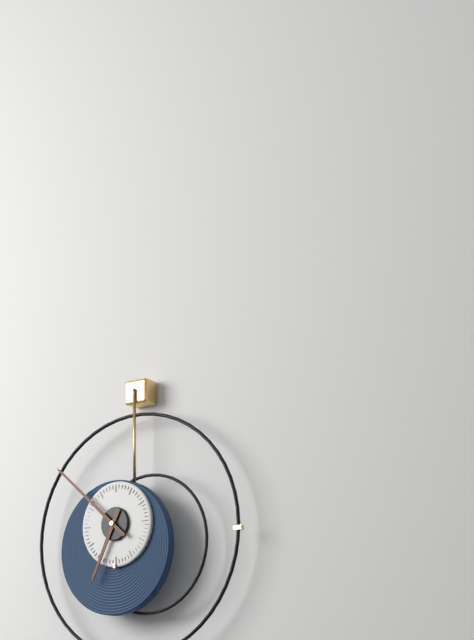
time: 6:52
